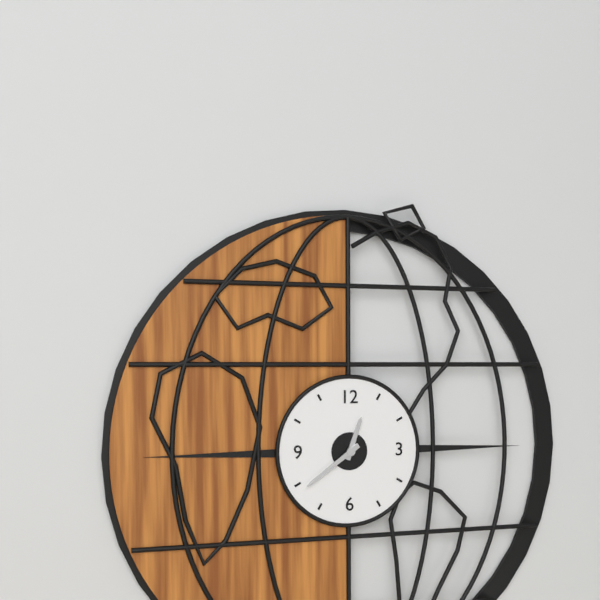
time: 12:39
